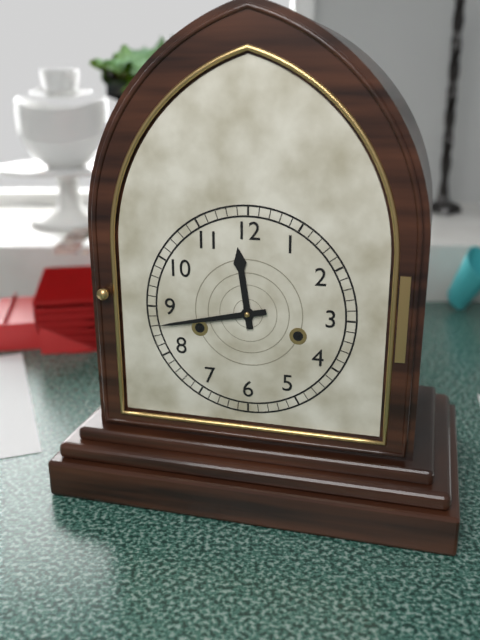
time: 11:43
